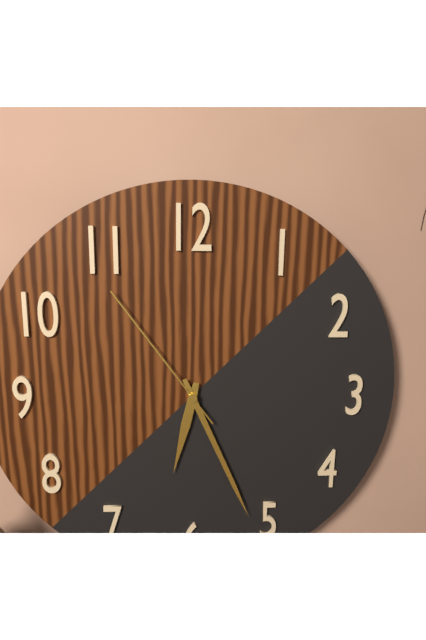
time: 6:26:54
